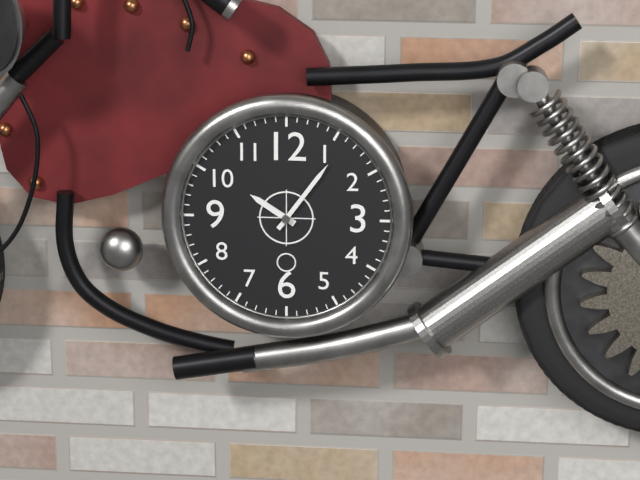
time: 10:06
